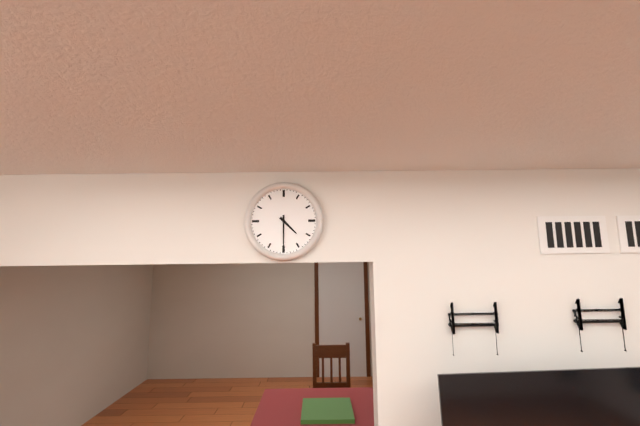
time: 4:30
